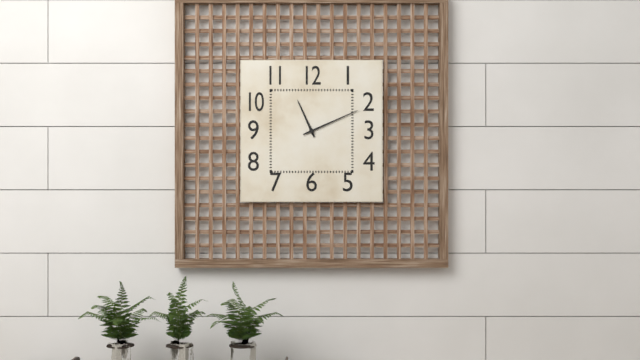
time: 11:11
